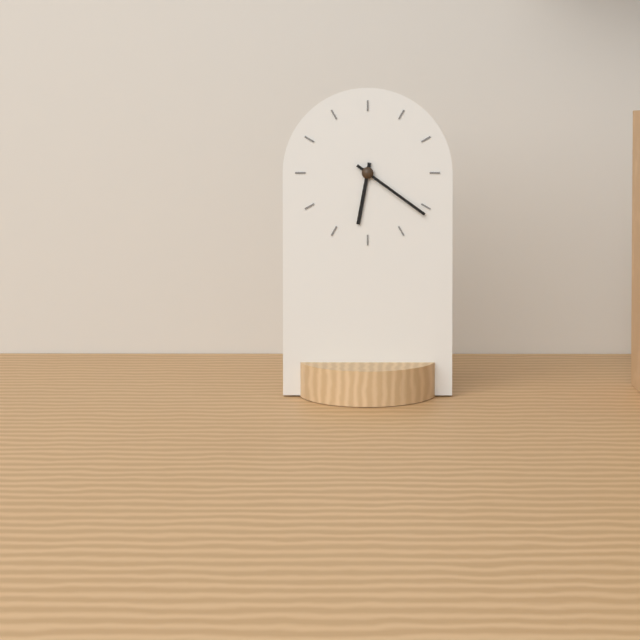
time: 6:21
